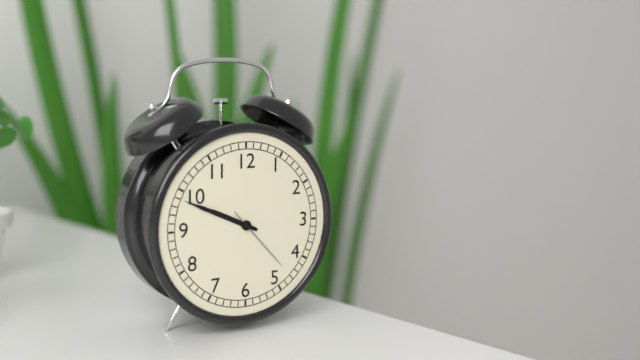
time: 9:49:23
